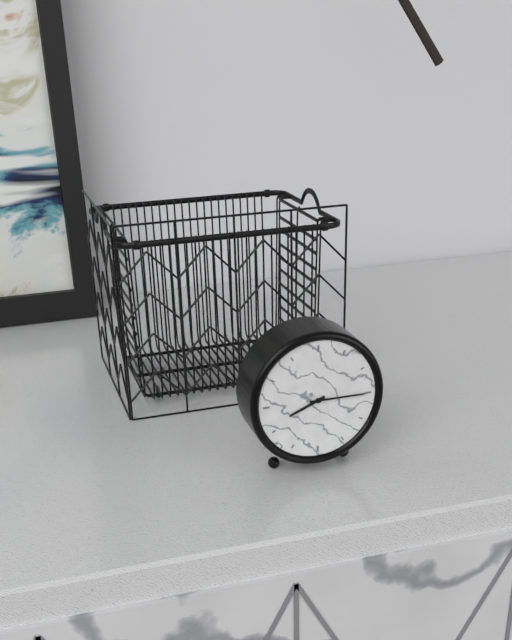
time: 8:15
